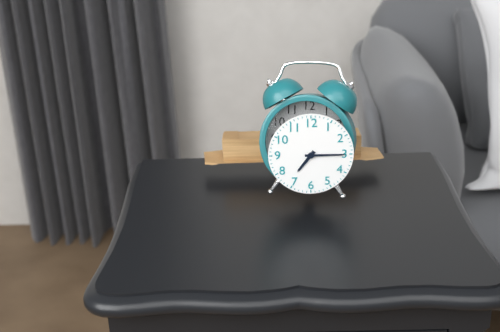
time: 7:15
